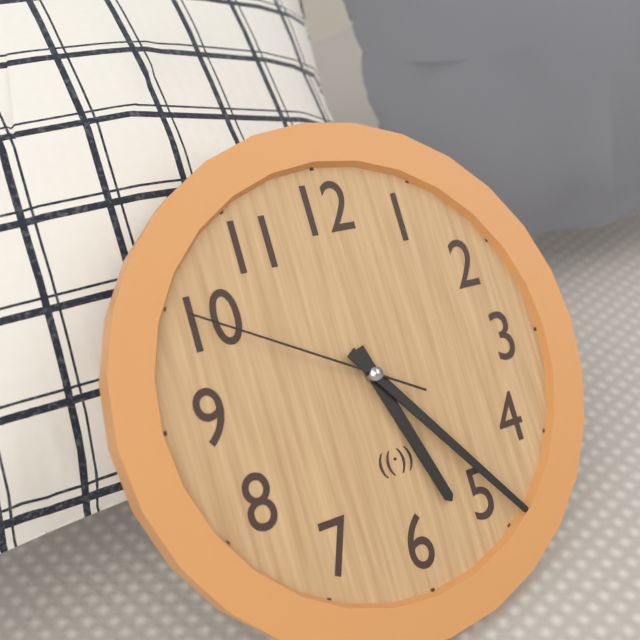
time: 5:24:50
